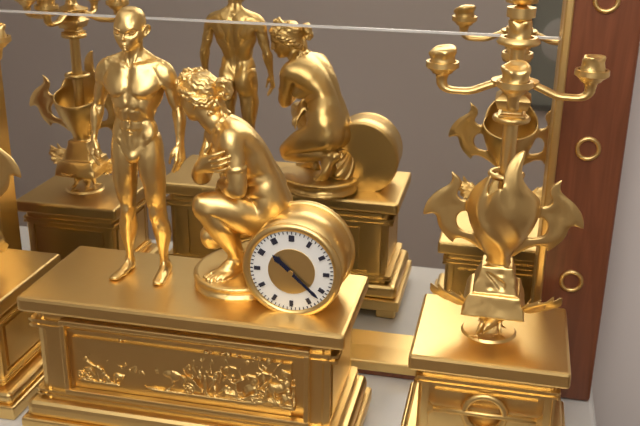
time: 10:22
